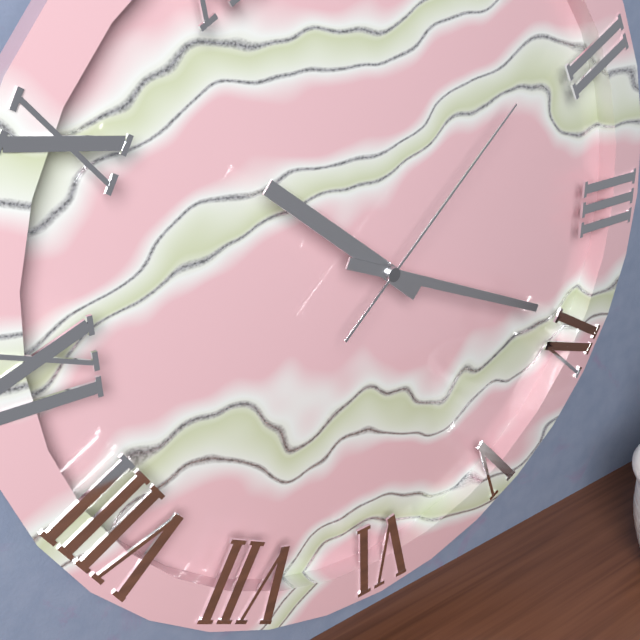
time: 10:19:08
